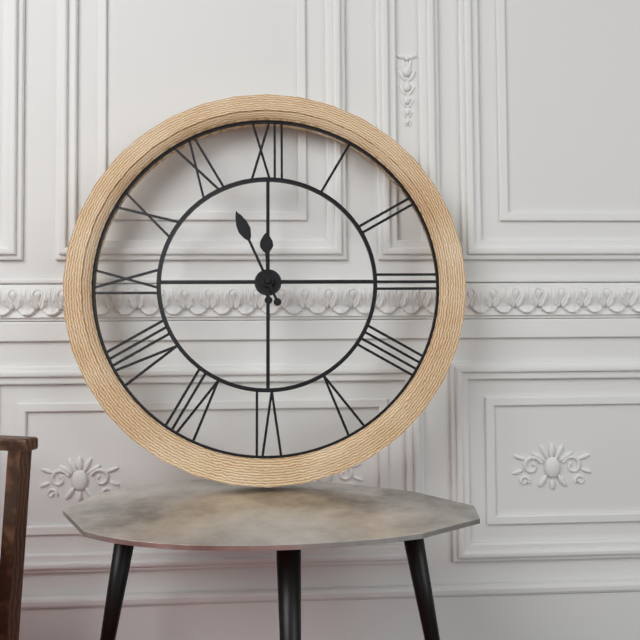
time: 11:56
